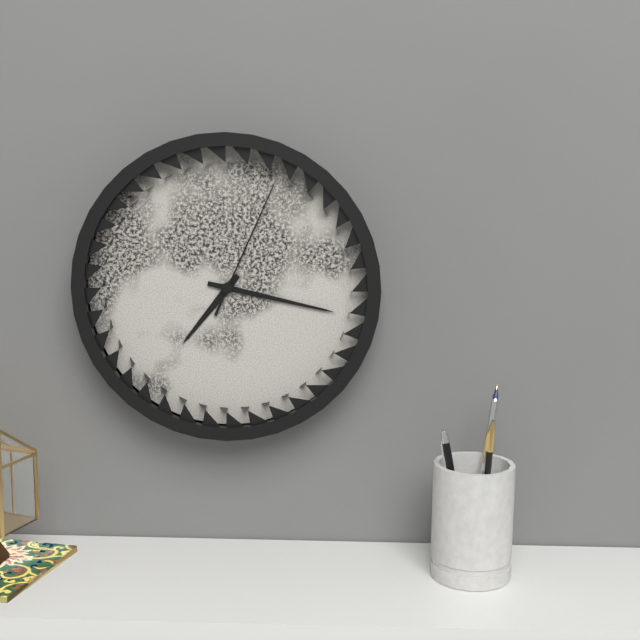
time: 7:17:04
